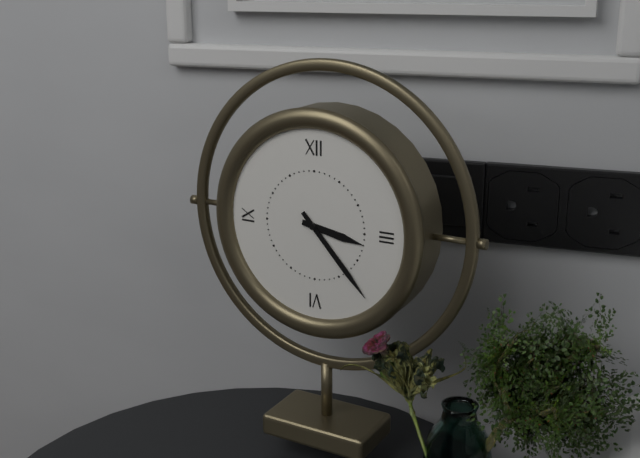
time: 3:23
